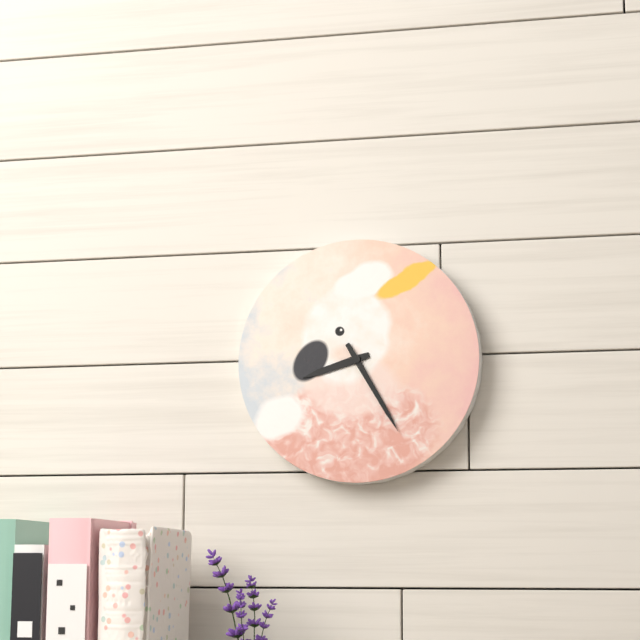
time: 8:25
